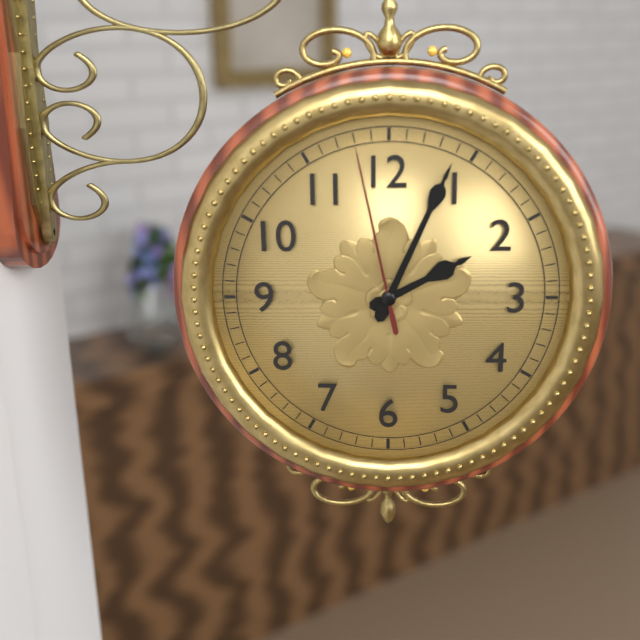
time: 2:04:58
